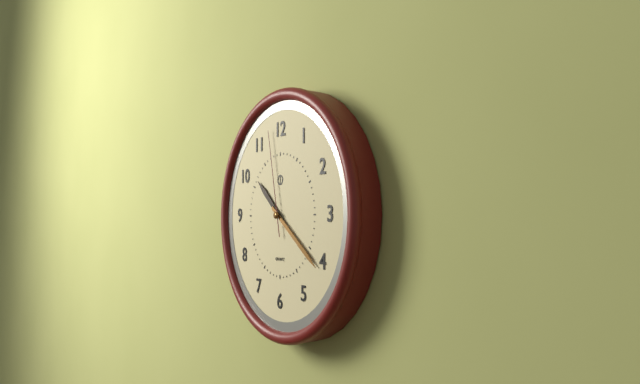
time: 10:21:58
